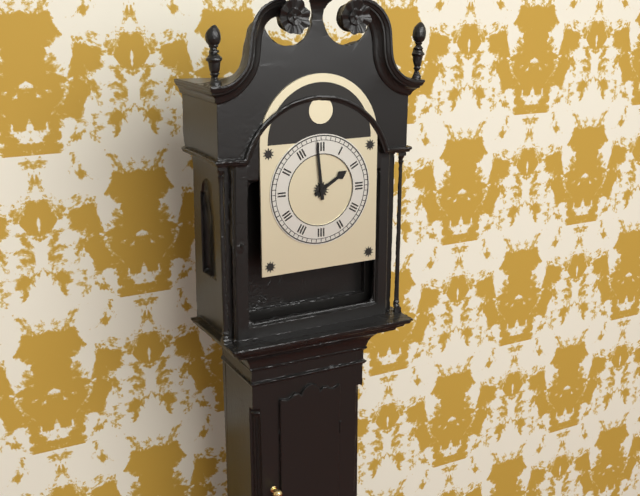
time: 1:59
